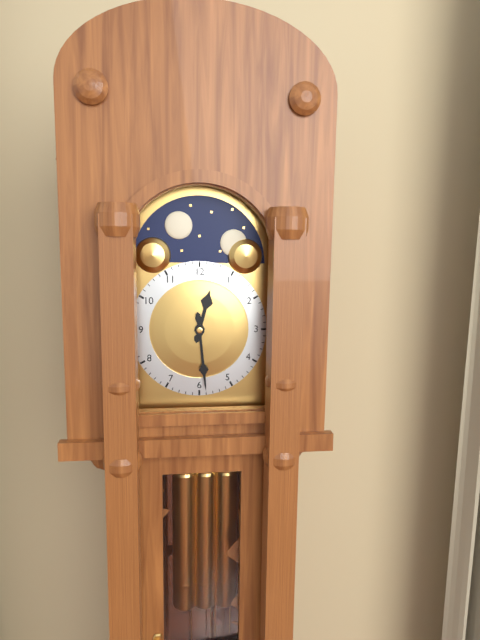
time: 12:29
